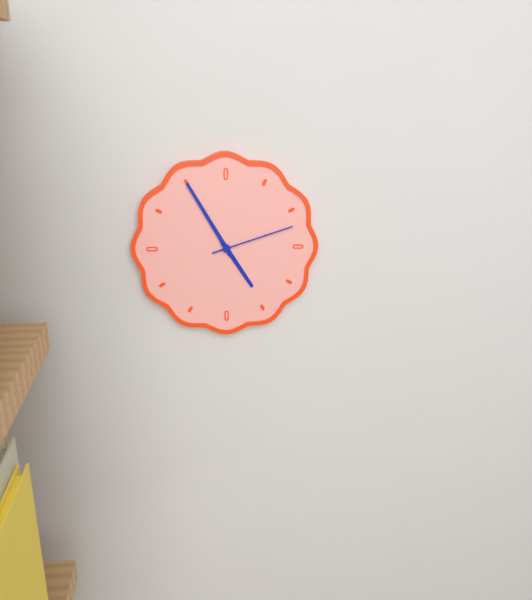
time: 4:55:12
